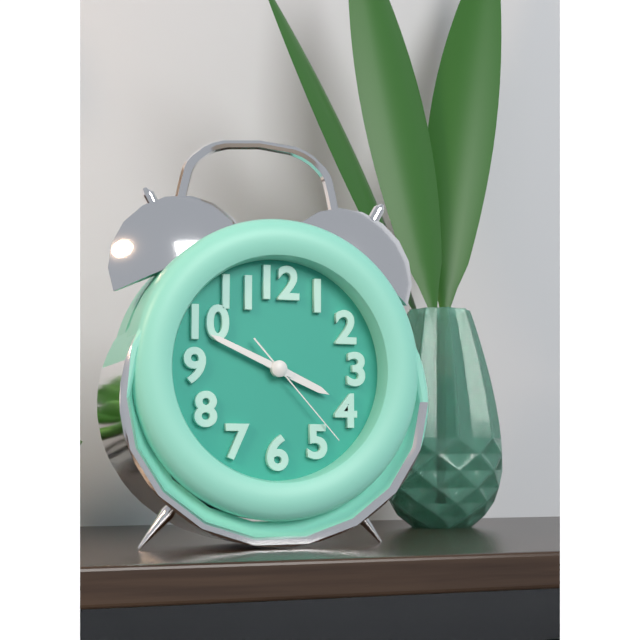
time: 3:49:23
